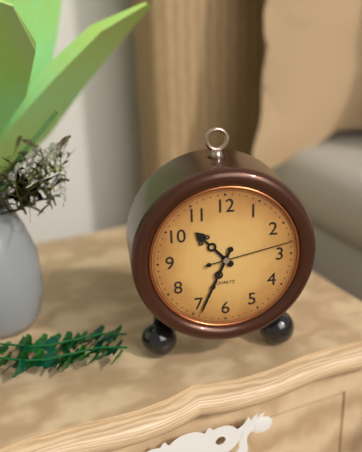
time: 10:34:13
